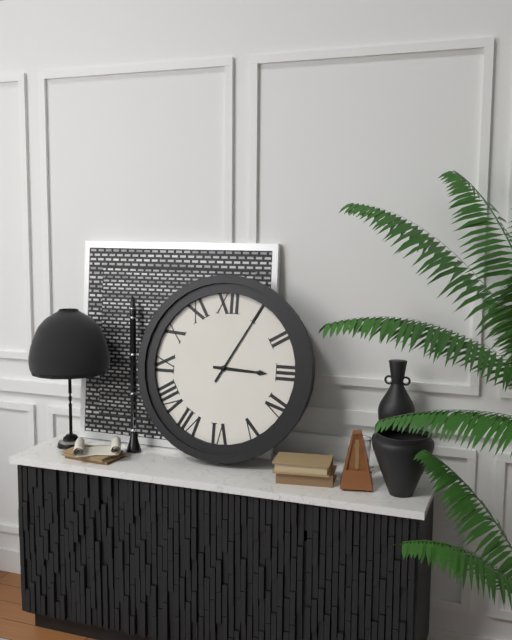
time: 3:05
